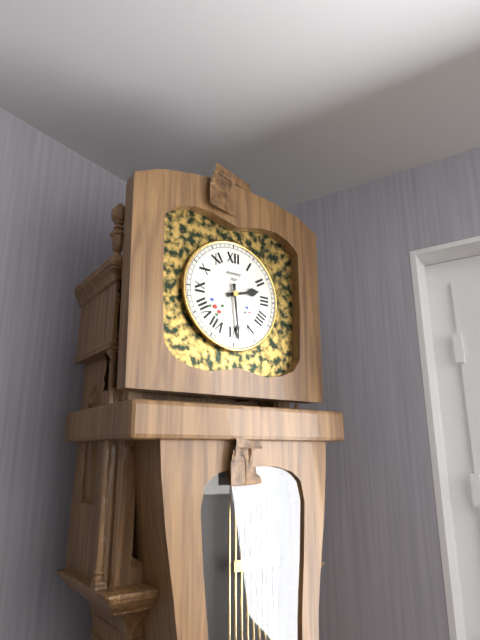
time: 2:29
